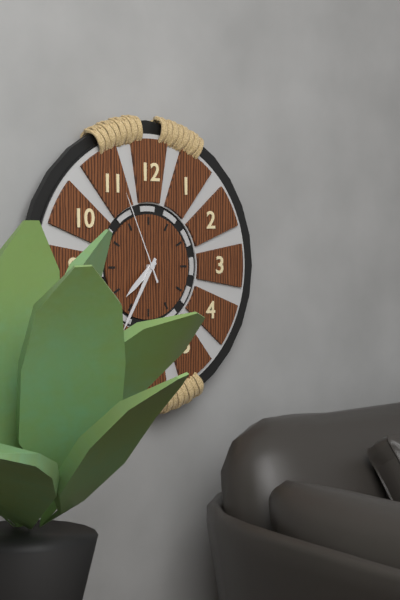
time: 7:35:56
